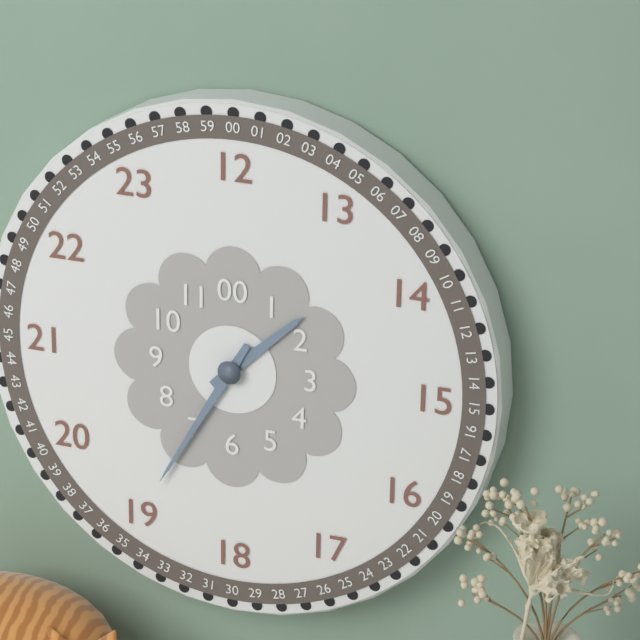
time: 1:35
